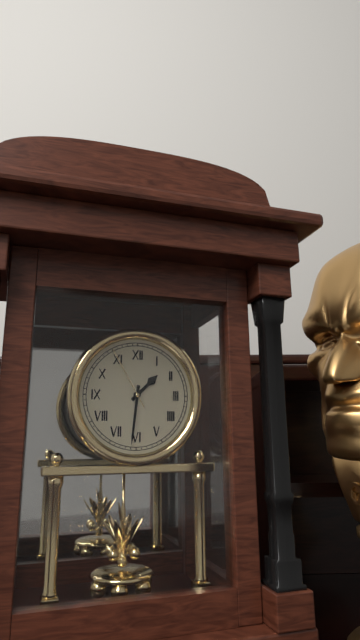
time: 1:31:55
